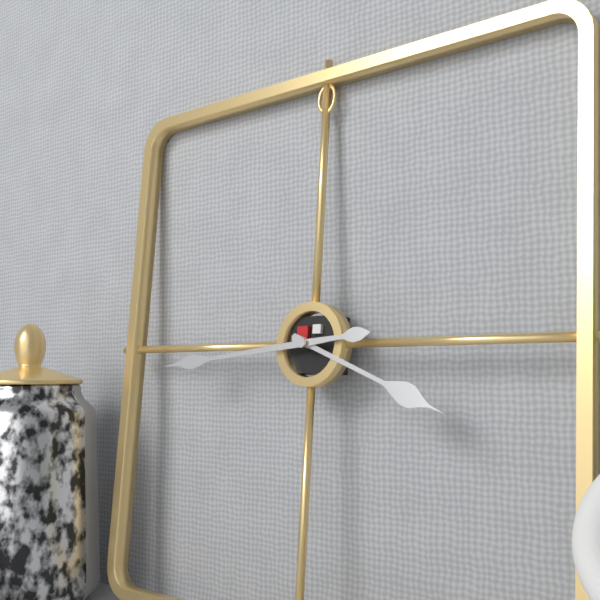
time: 3:44
